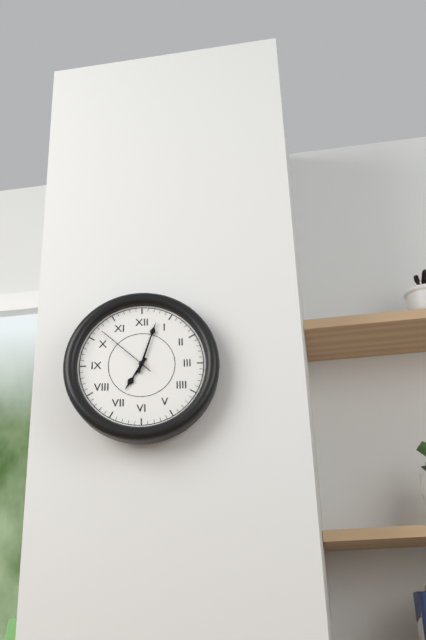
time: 7:03:52
